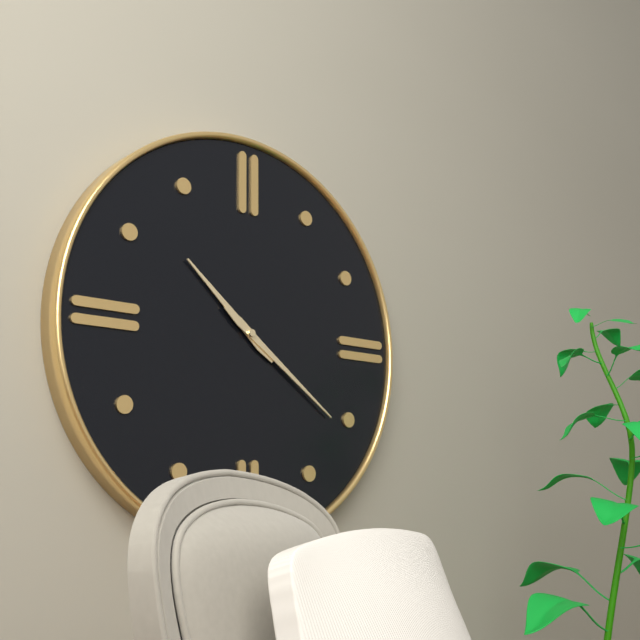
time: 10:21
